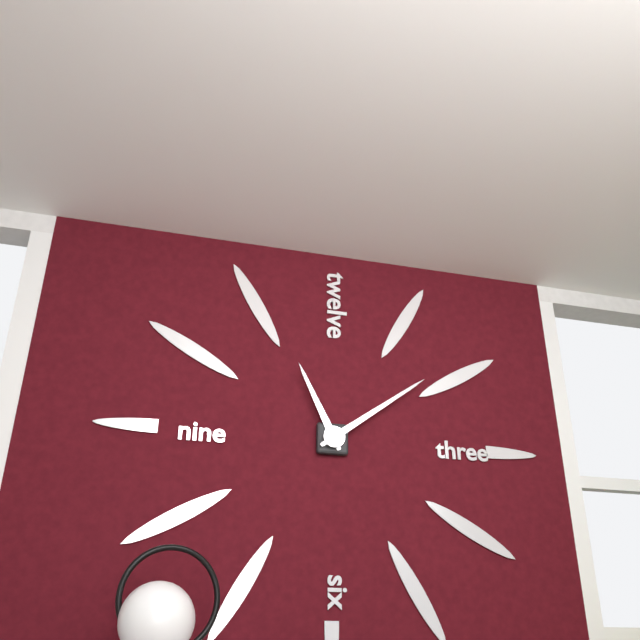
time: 11:09
